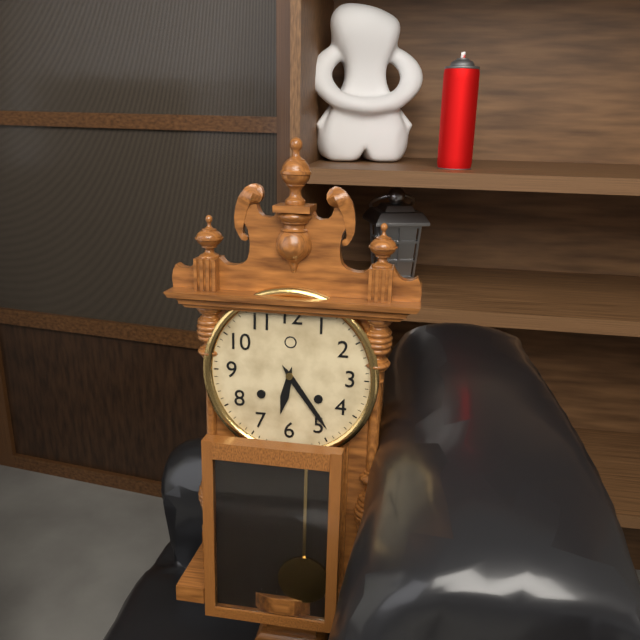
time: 6:24
